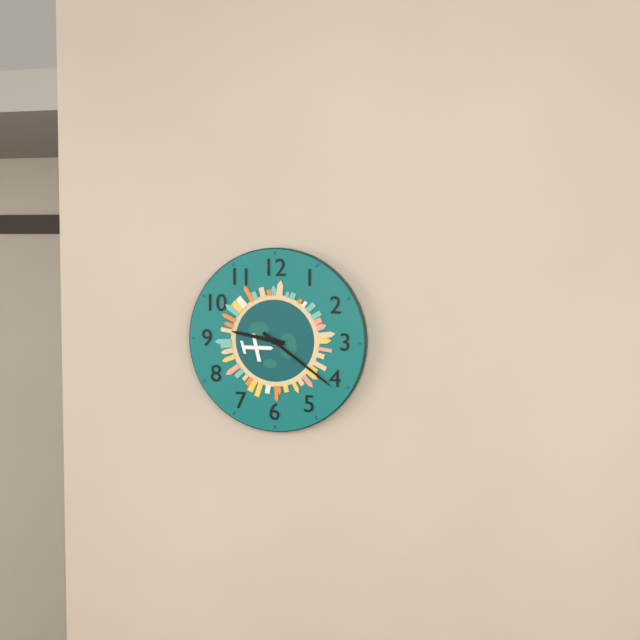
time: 9:21
